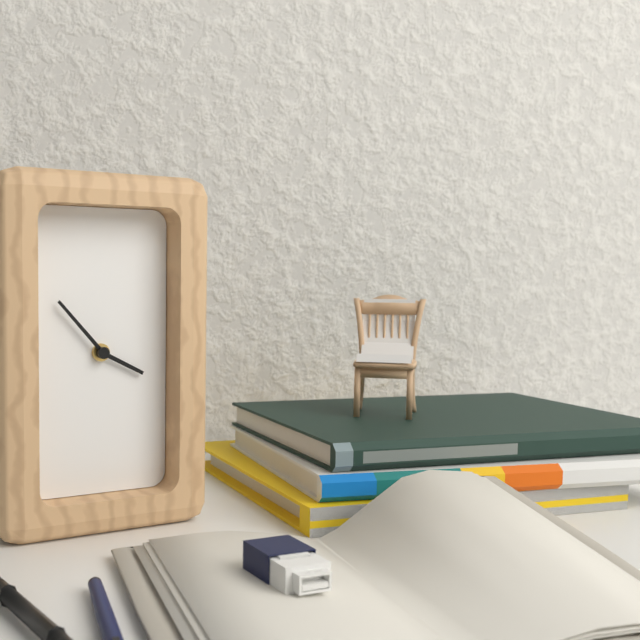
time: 3:53
